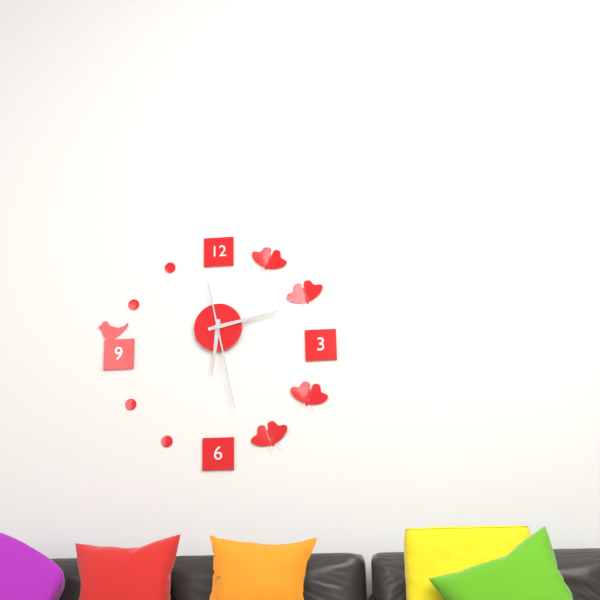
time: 6:13:28
